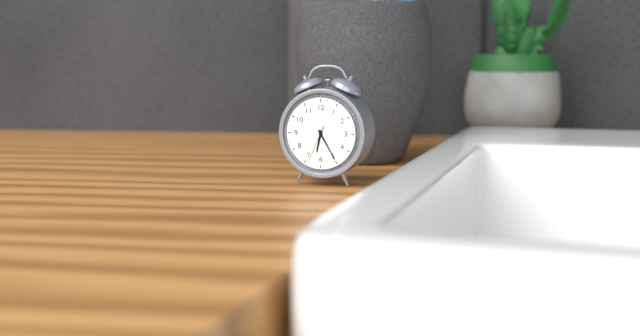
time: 6:25
